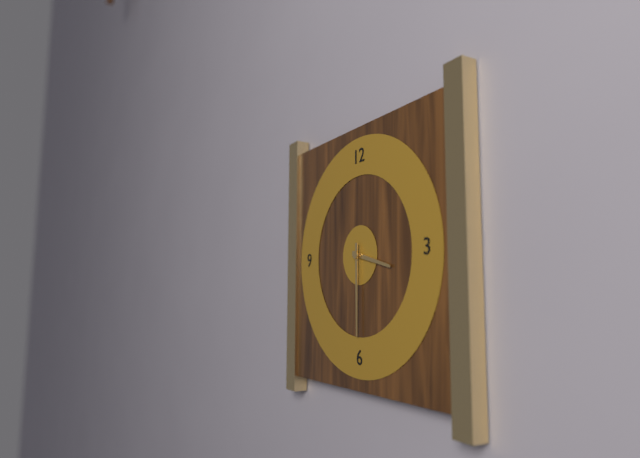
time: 3:30
